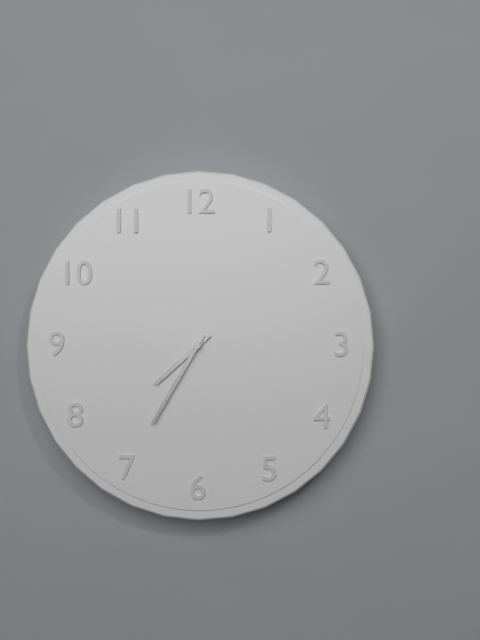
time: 7:35
